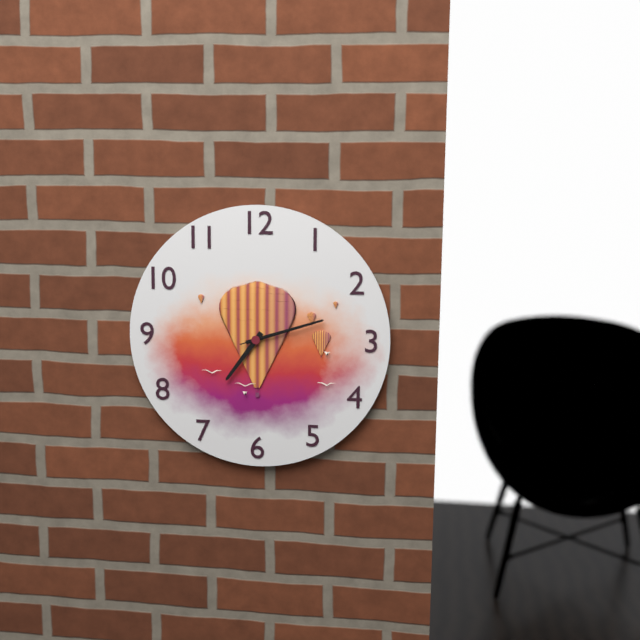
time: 7:12:12
